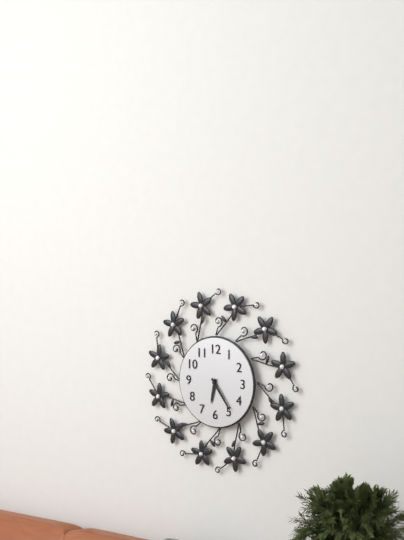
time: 6:24
